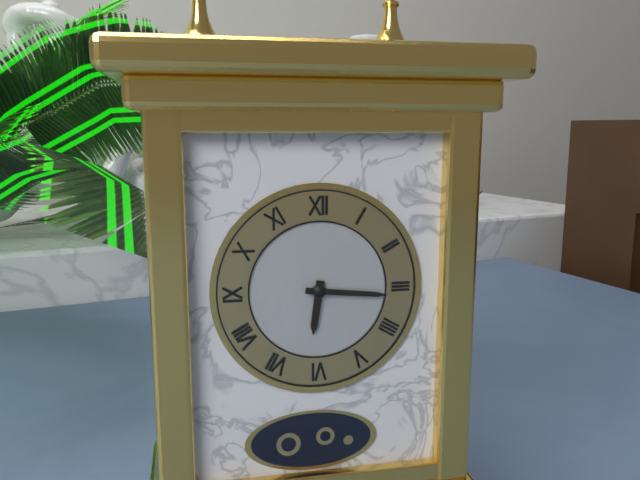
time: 6:16
